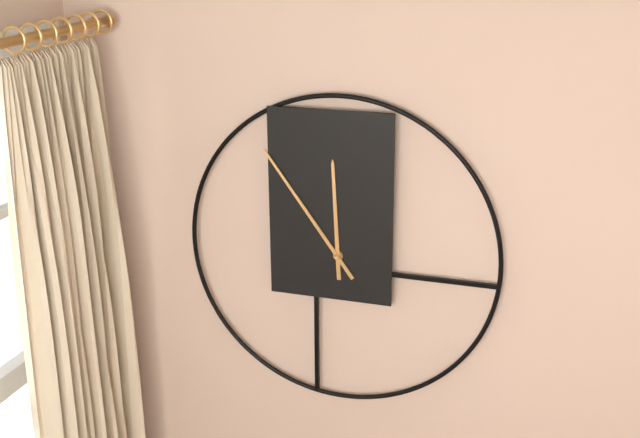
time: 11:54
